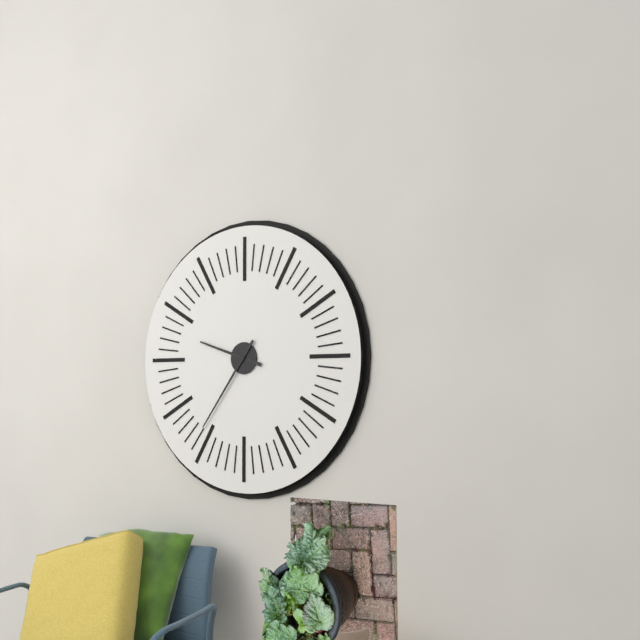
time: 9:36
